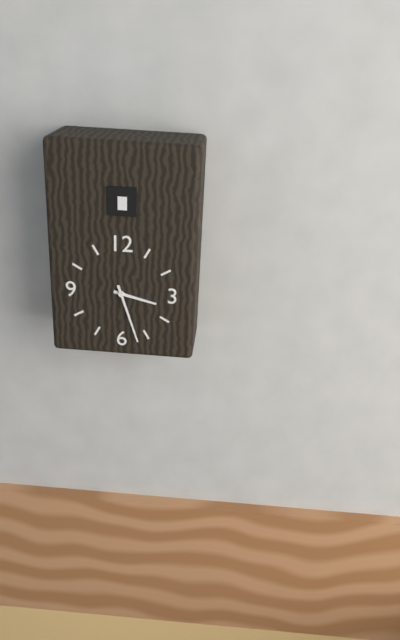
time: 3:27
